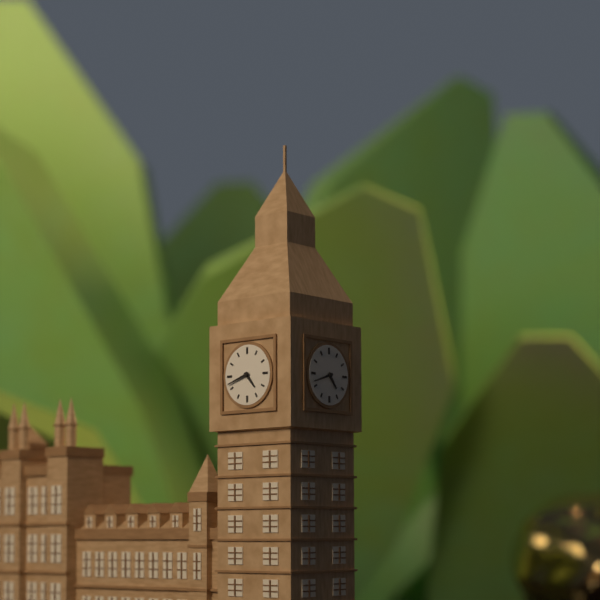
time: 4:42
